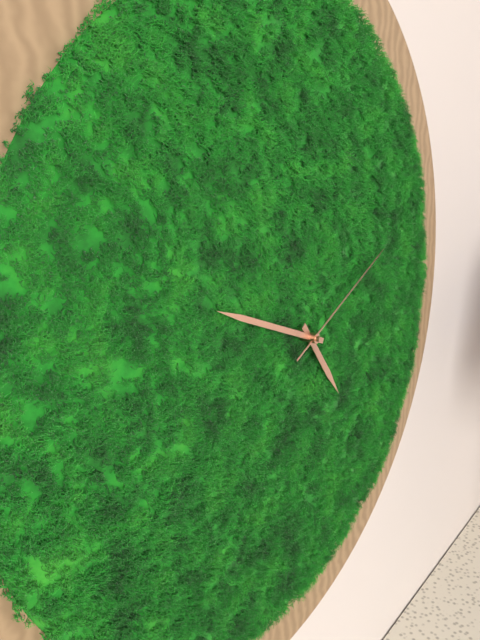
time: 4:49:11
